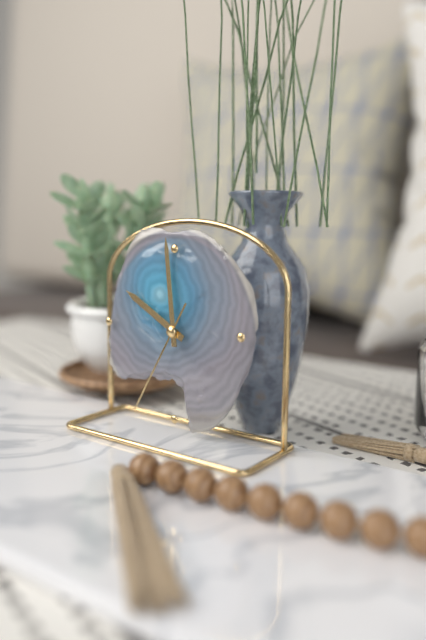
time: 9:59:35
